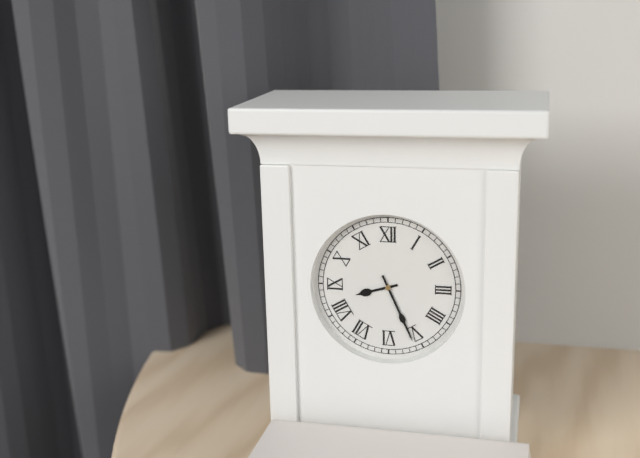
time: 8:26
